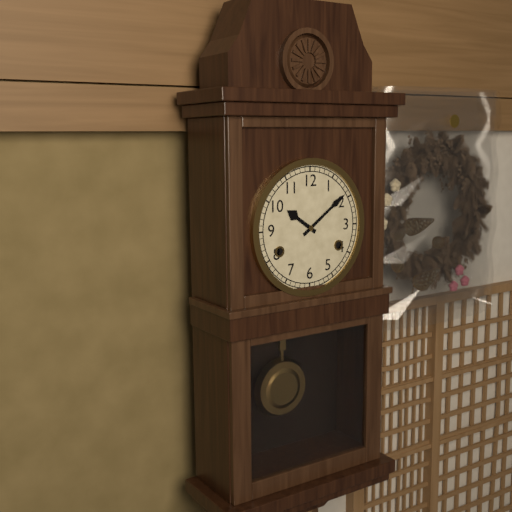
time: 10:09
